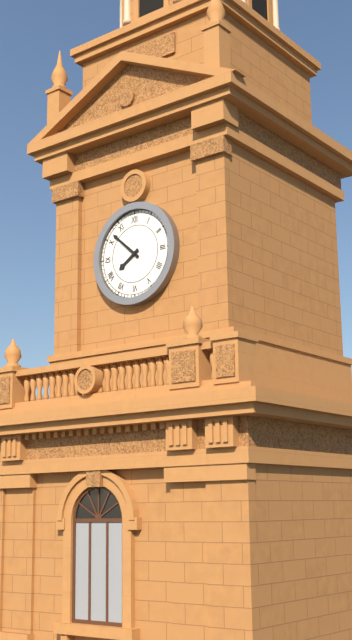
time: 7:52
